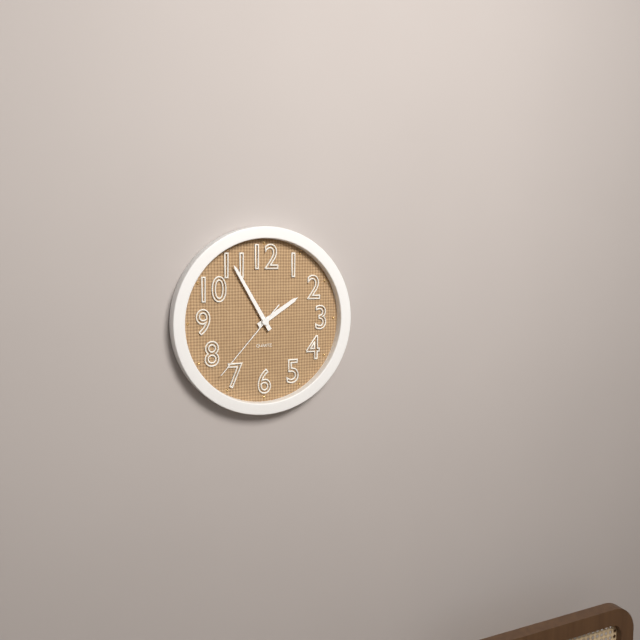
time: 1:55:37
